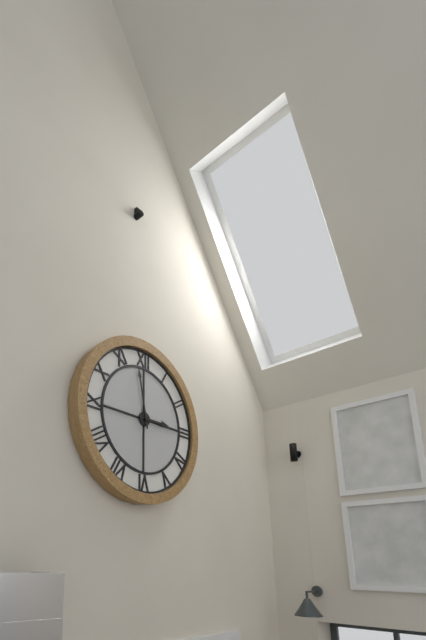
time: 2:58
